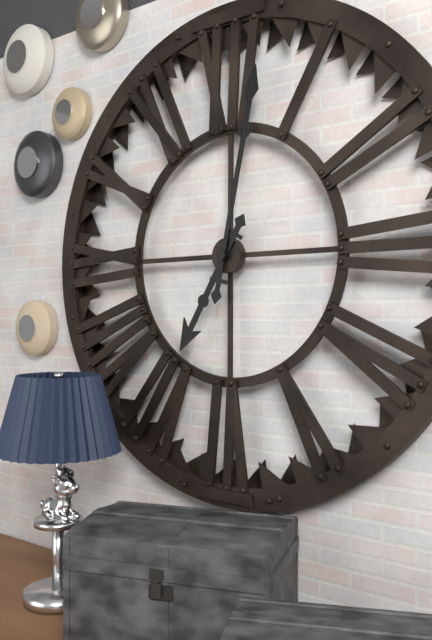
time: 7:02
